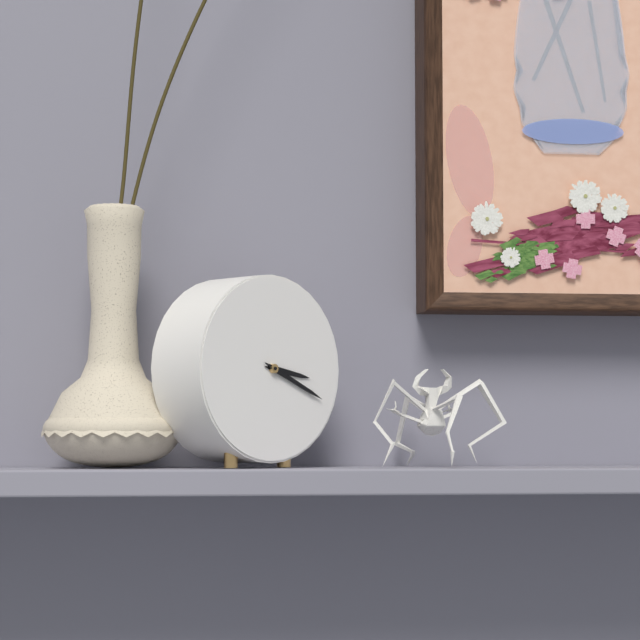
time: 3:19
